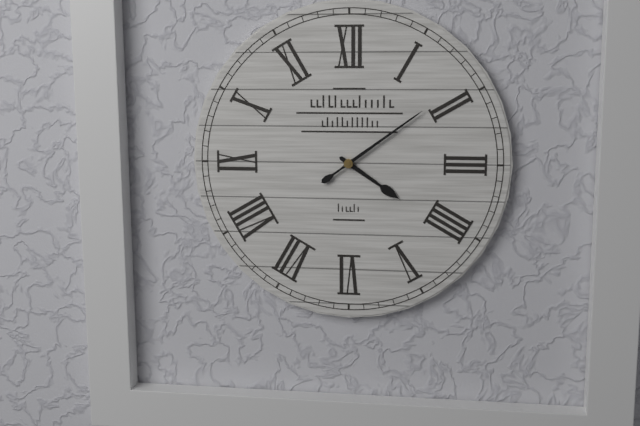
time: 4:09
